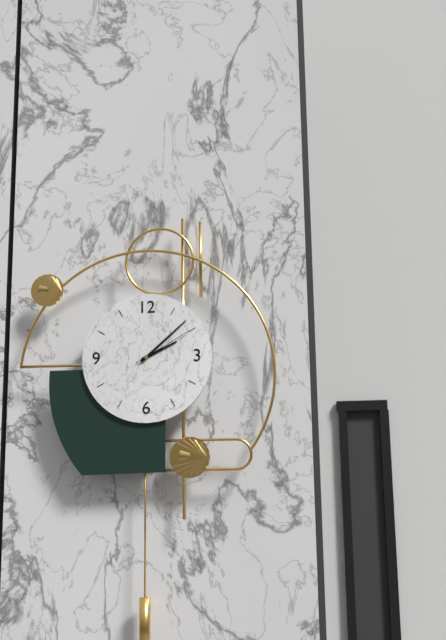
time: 2:08:10
